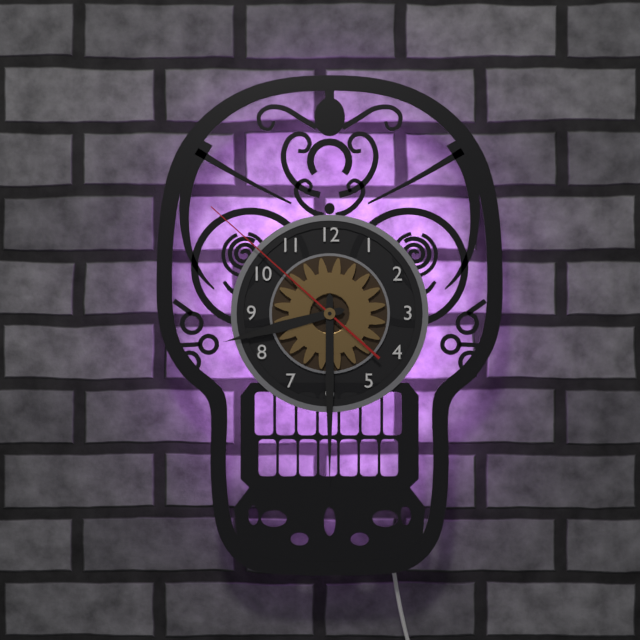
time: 8:30:52
